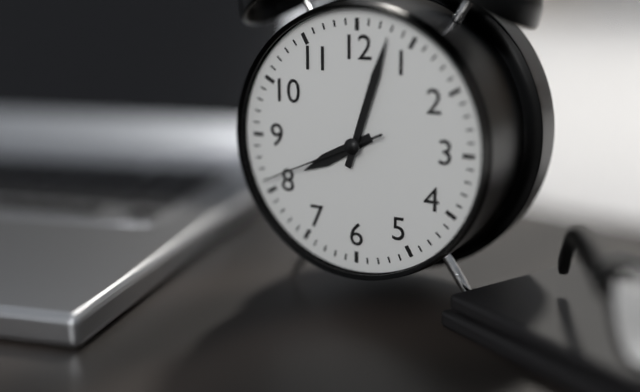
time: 8:03:41
